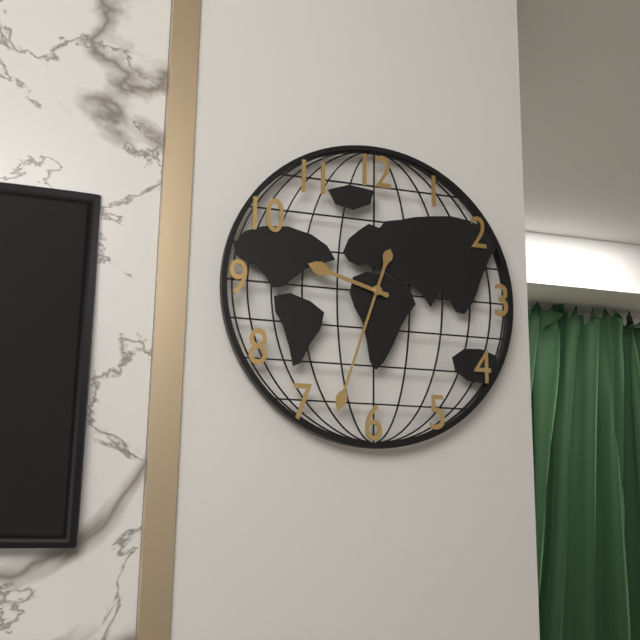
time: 9:33
